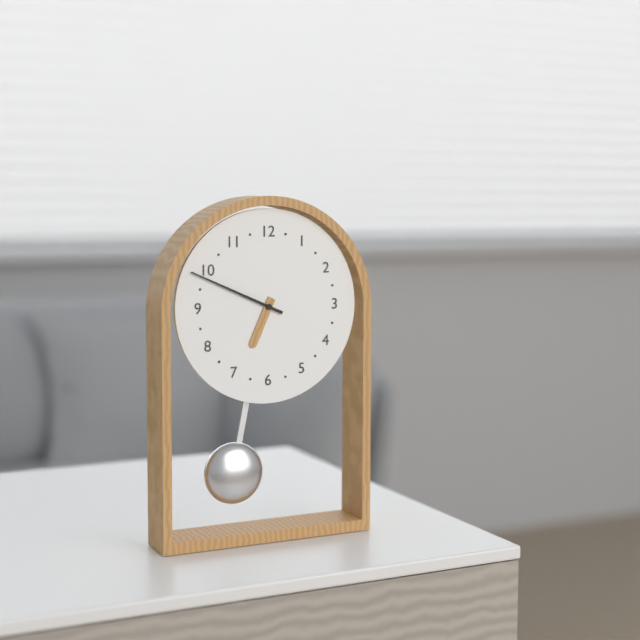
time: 6:49
